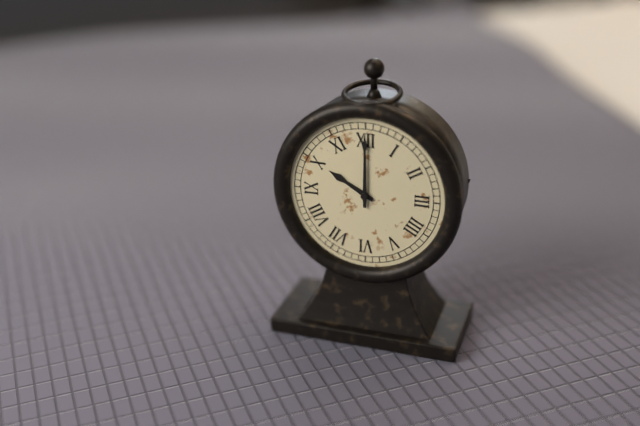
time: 10:00
